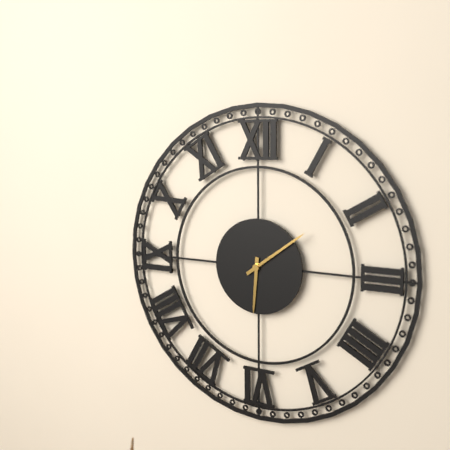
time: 6:09
